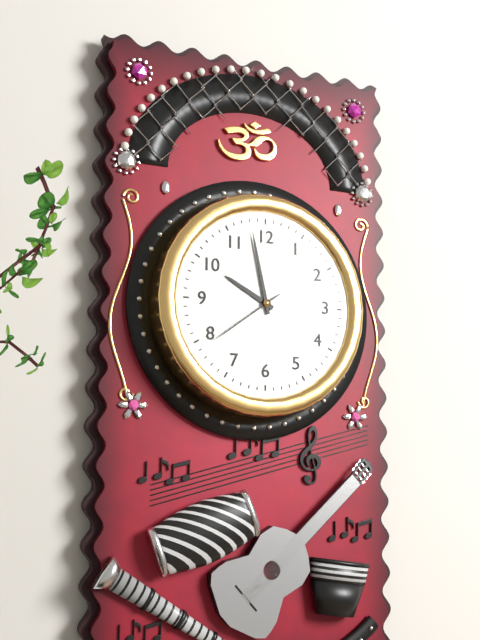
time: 9:58:39
